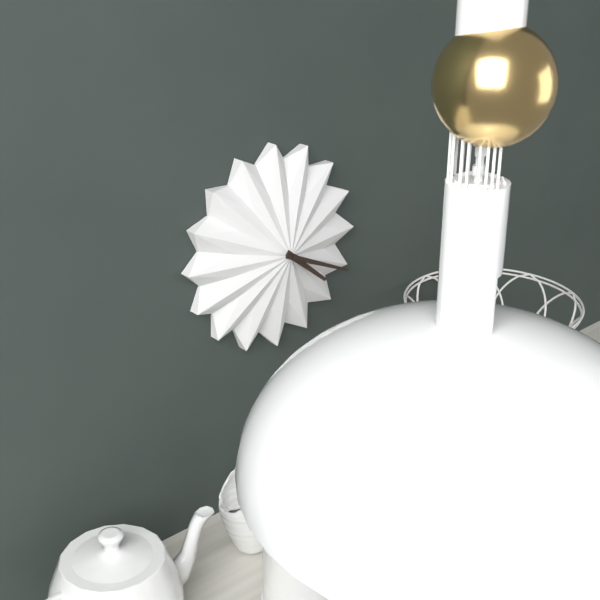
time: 4:19
